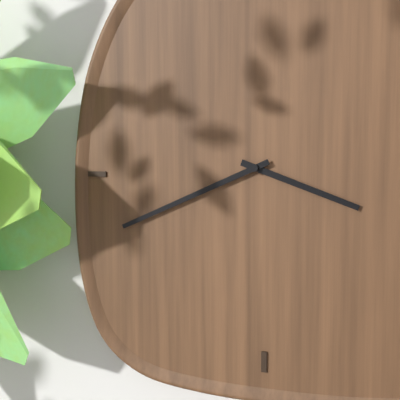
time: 3:41
